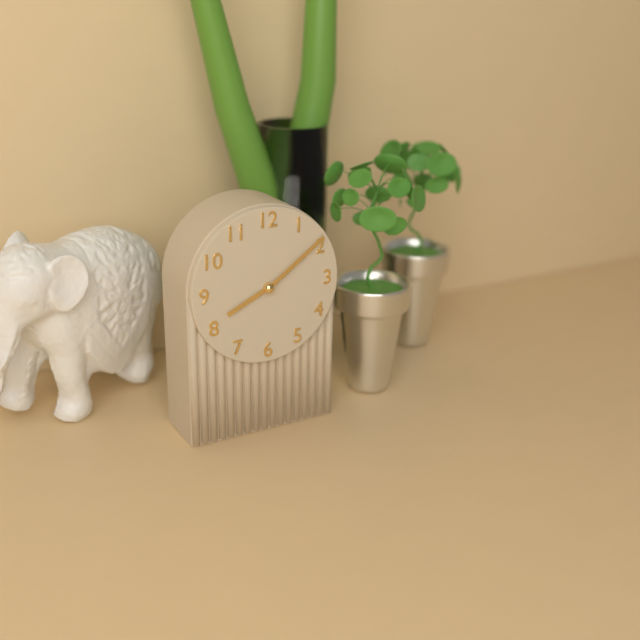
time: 8:09
